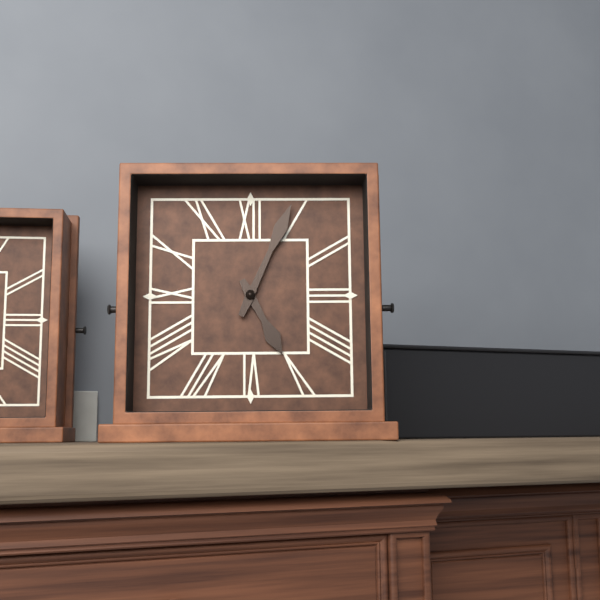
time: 5:04
